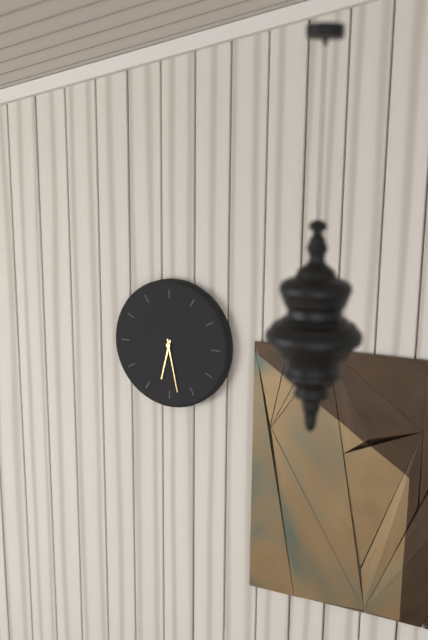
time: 6:28
